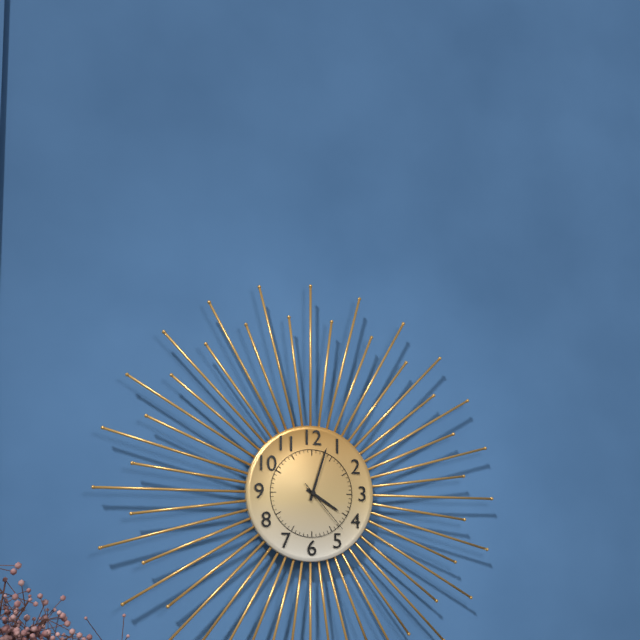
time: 4:03:23
